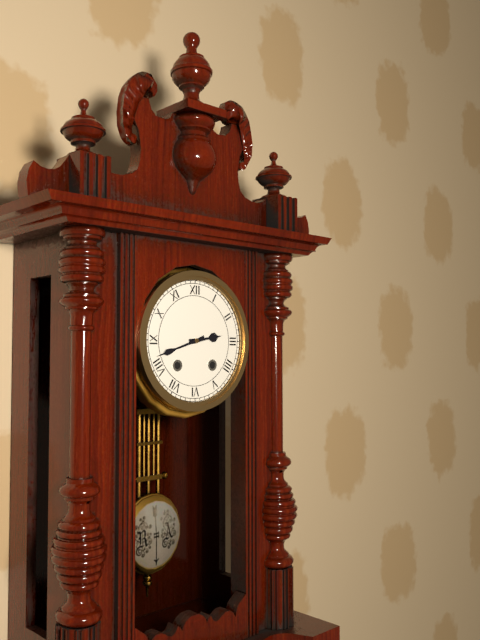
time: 2:42
